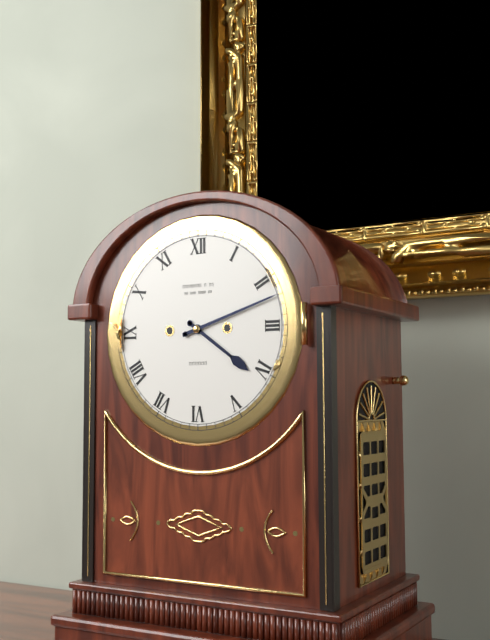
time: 4:12
